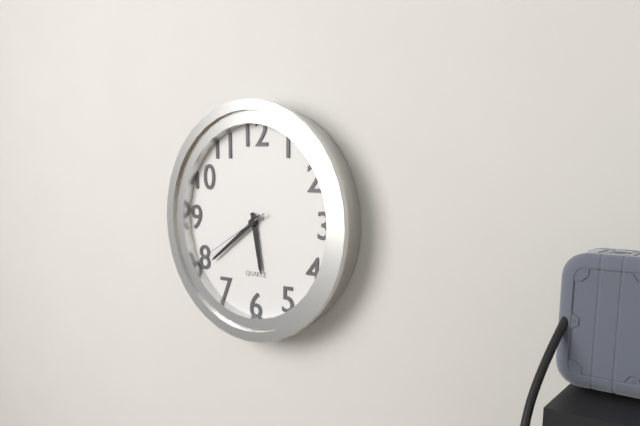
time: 5:39:40
